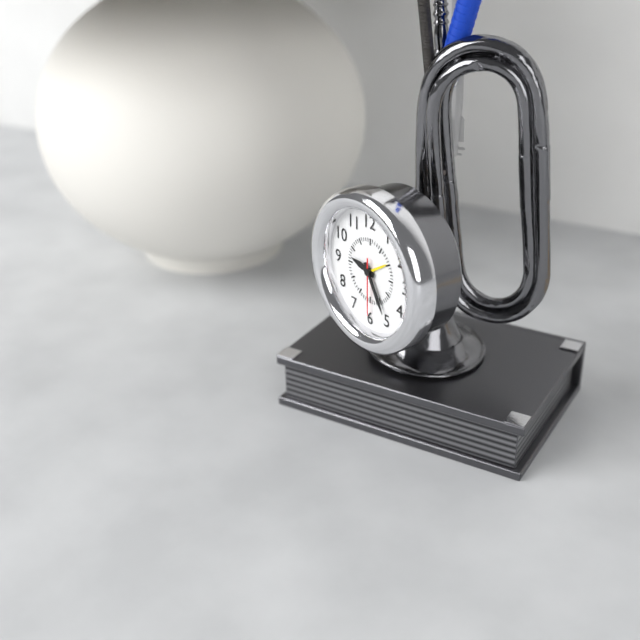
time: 9:25:30
